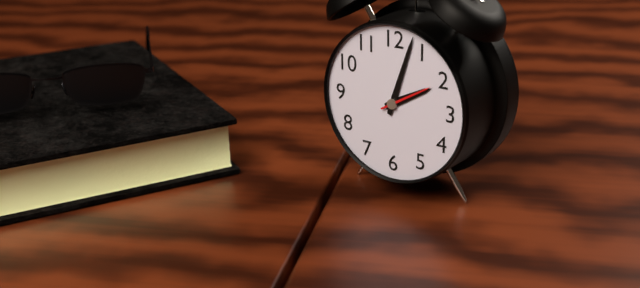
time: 2:03:10
